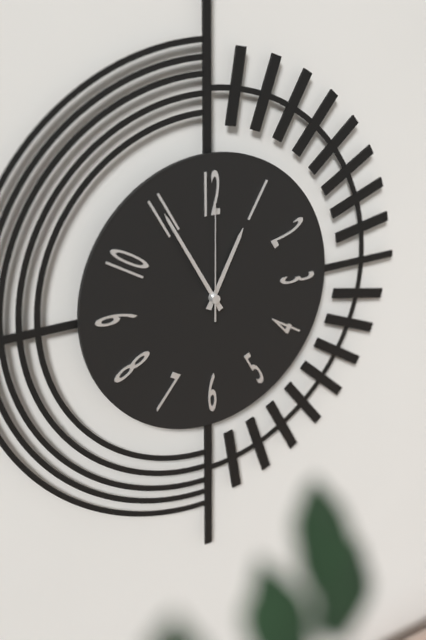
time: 12:55:00
